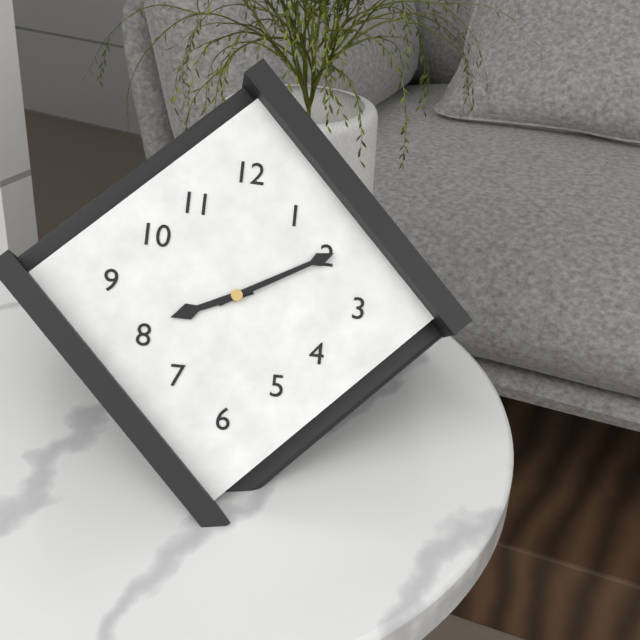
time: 8:10
